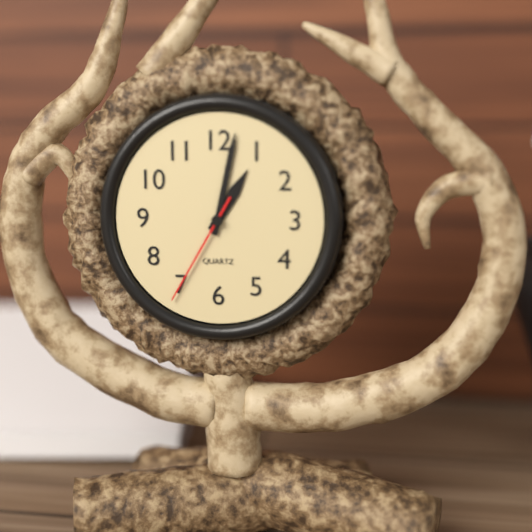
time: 1:02:35
